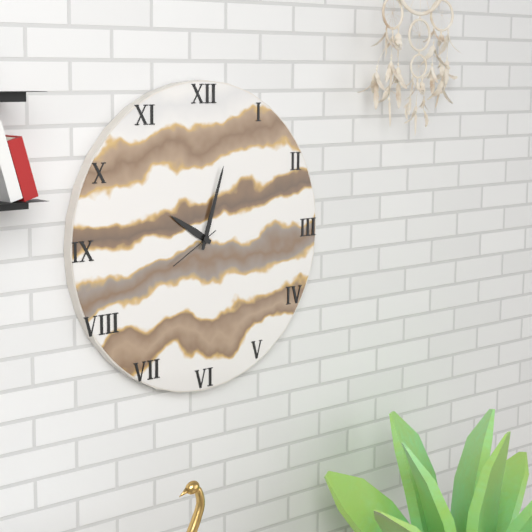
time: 10:03
